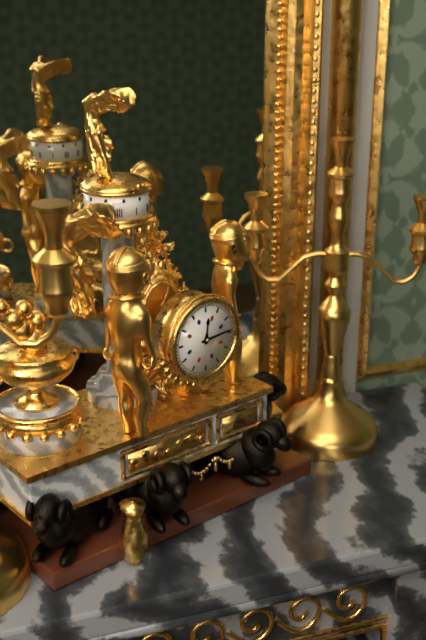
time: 12:14
